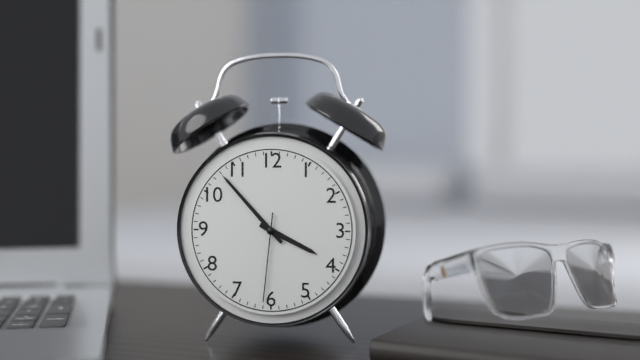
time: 3:53:31
